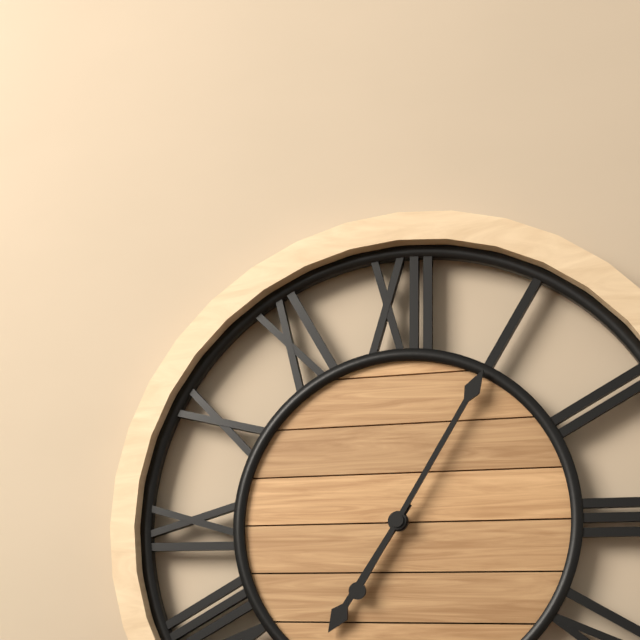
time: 7:05
